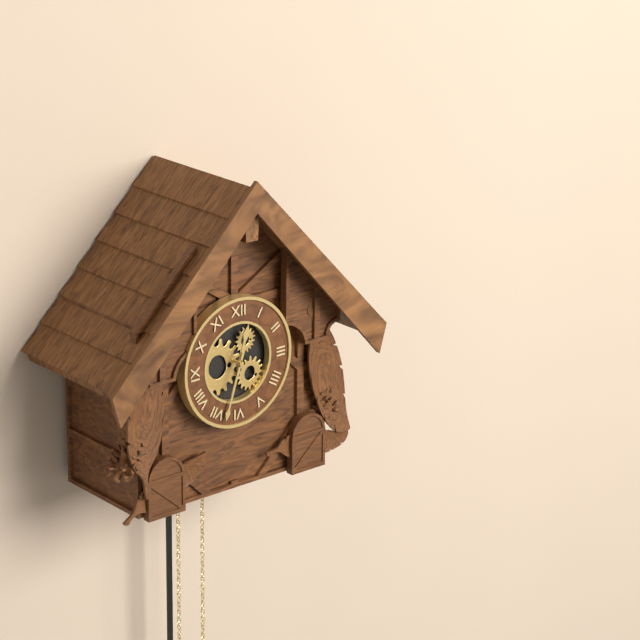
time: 12:33
